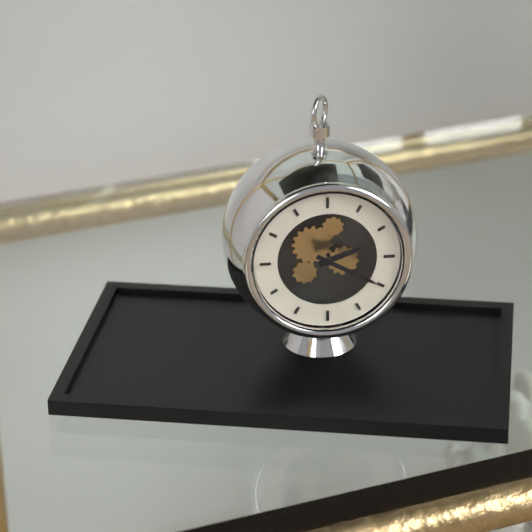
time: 2:20
